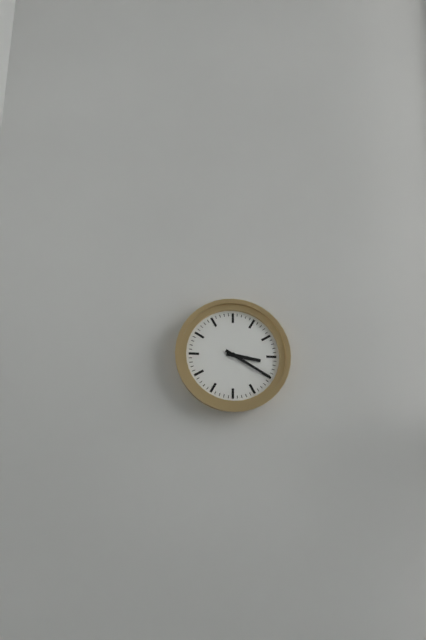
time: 3:20
